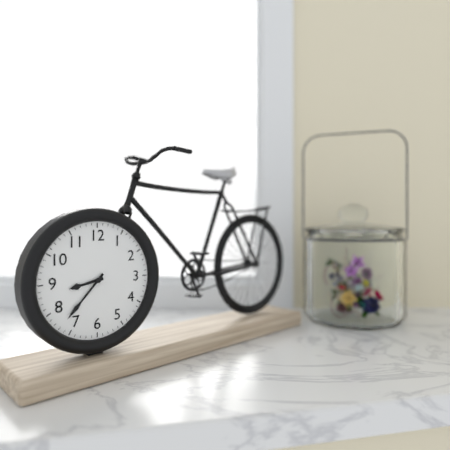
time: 8:37
